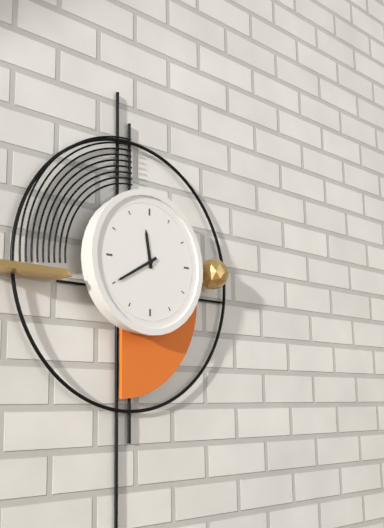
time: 11:40
